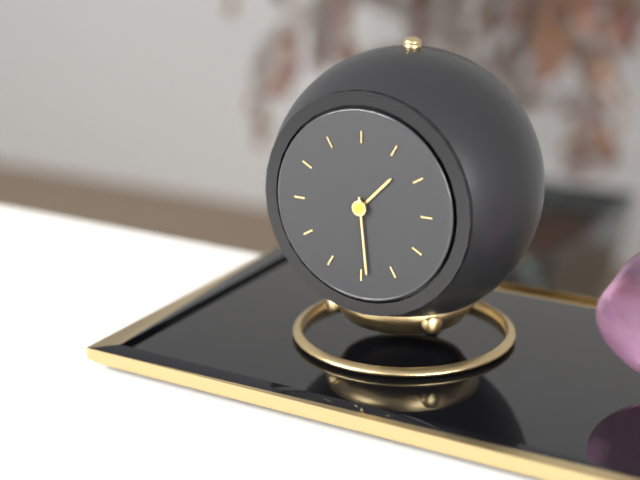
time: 1:29
